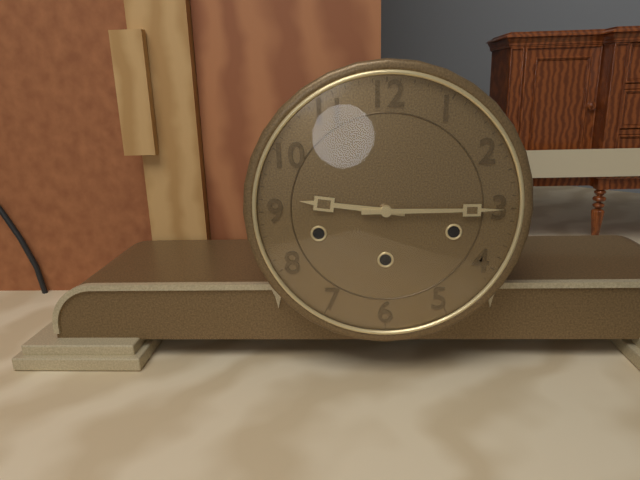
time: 9:15
